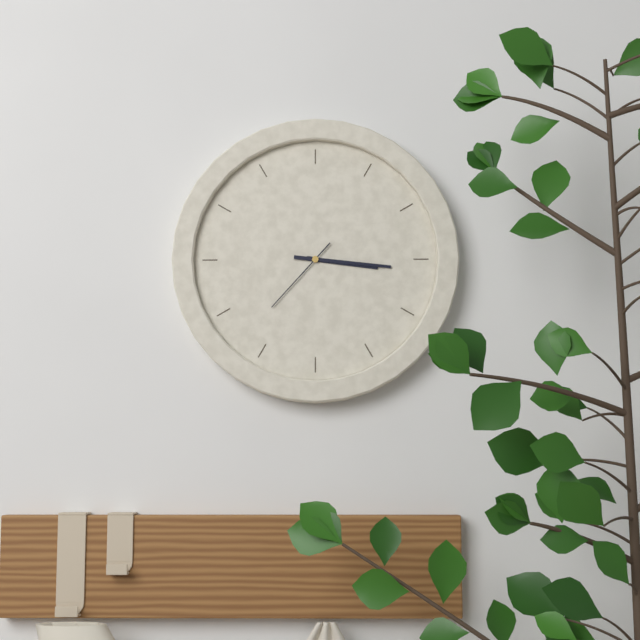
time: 3:16:37
